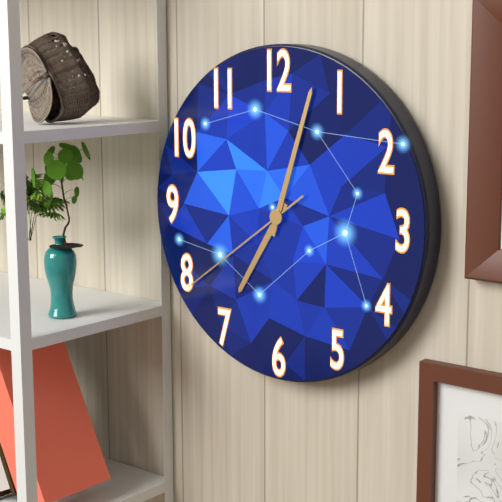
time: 7:03:39
